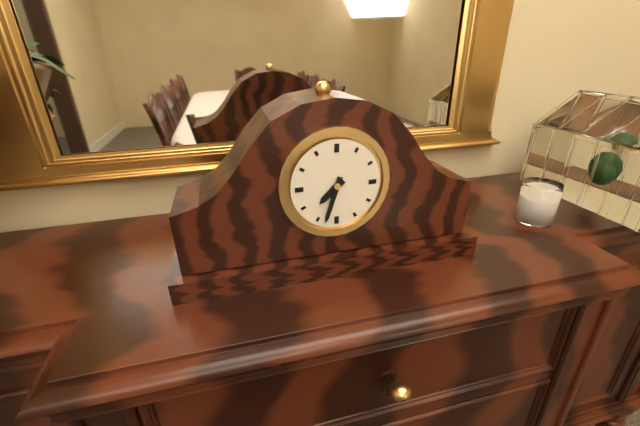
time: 7:33
